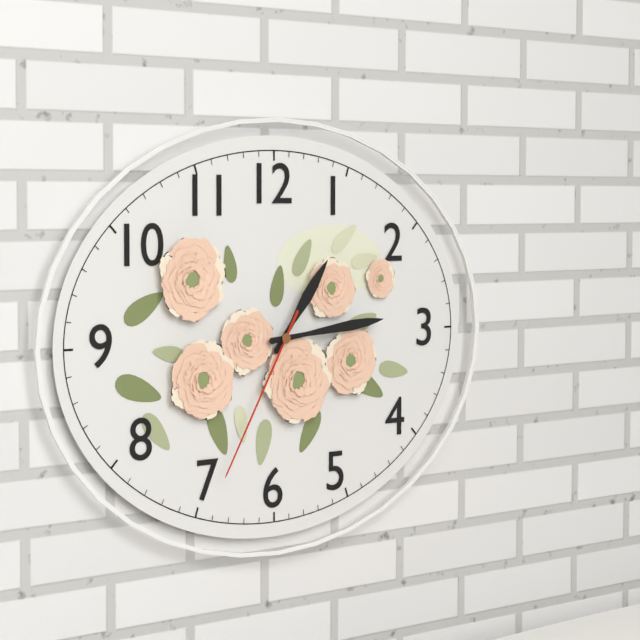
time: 1:14:35
